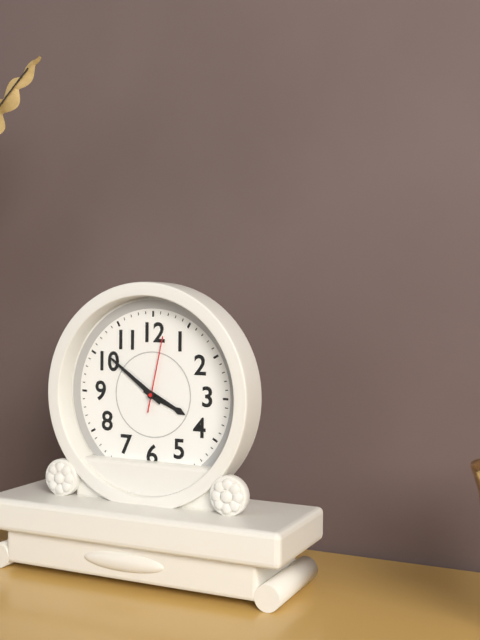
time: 3:51:02
